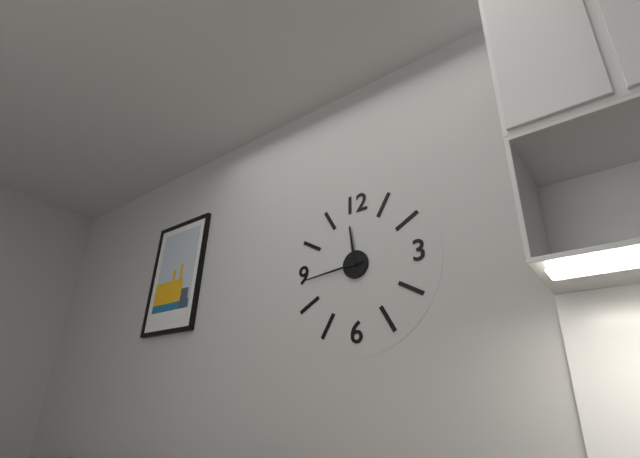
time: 11:44
